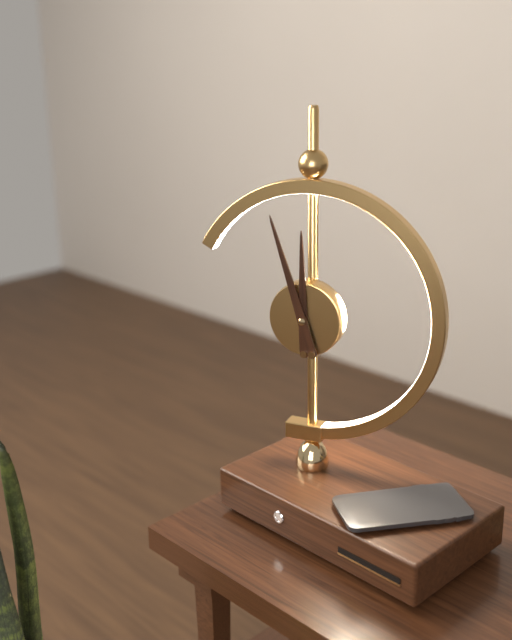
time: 11:57
